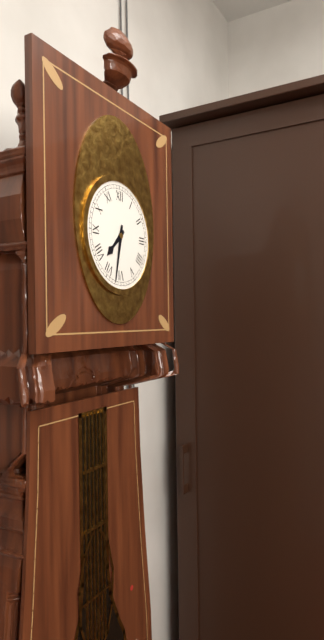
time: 7:32
